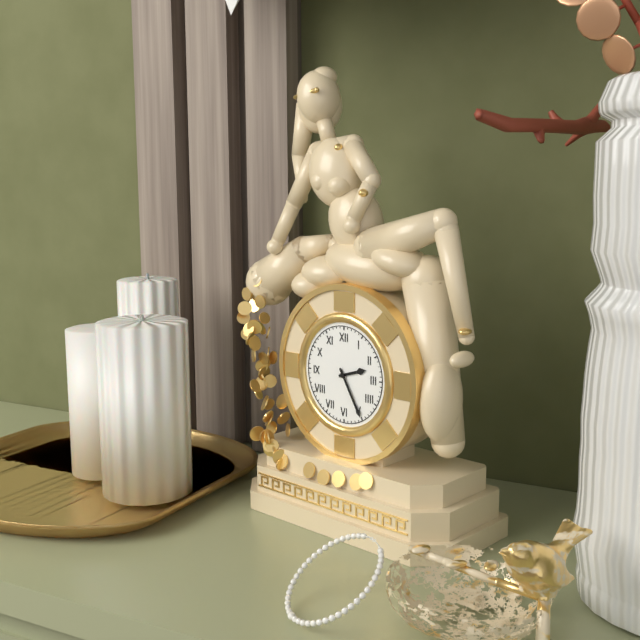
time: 2:25
